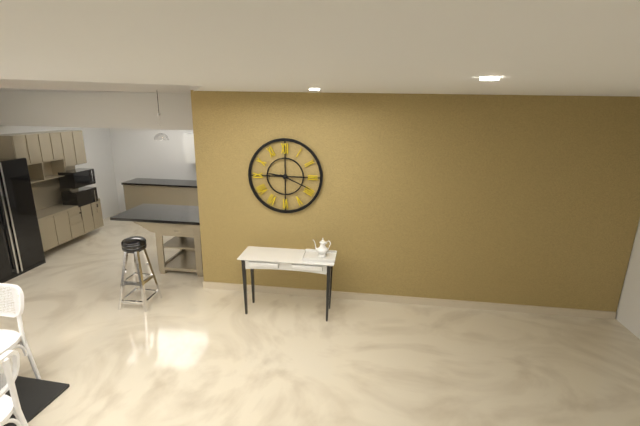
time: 9:19
